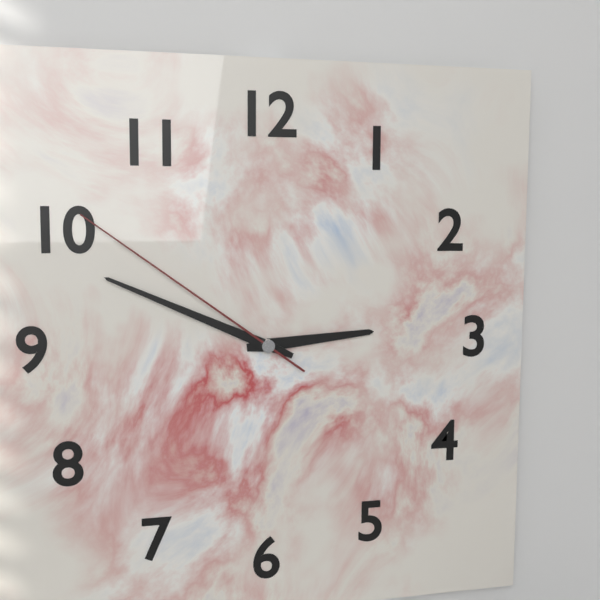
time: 2:49:51
